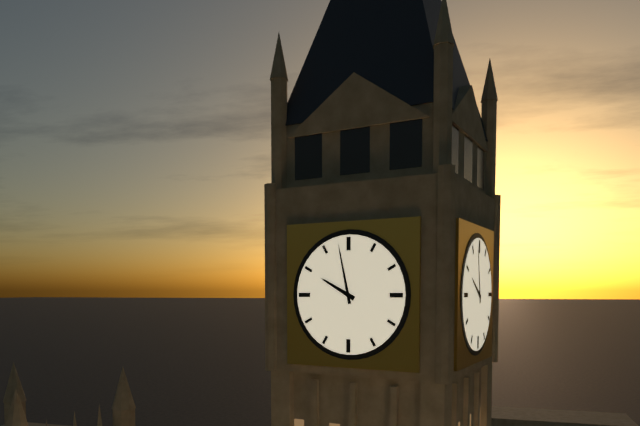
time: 9:58
